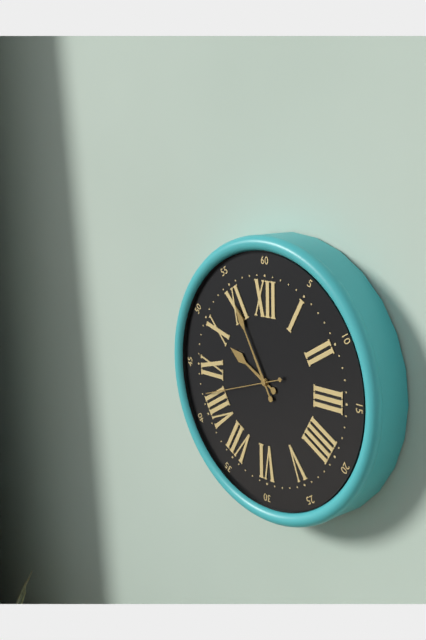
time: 9:55:42
